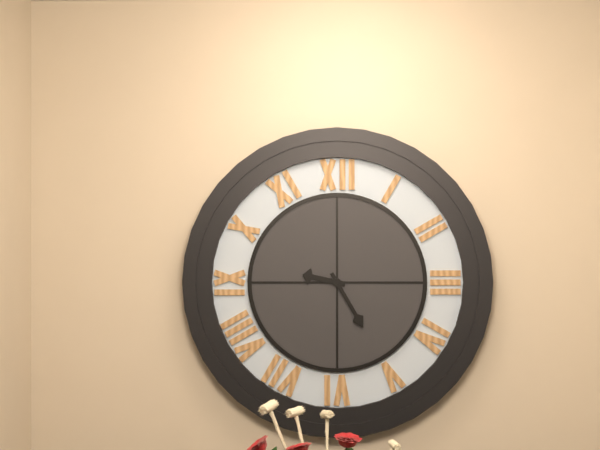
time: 9:25
